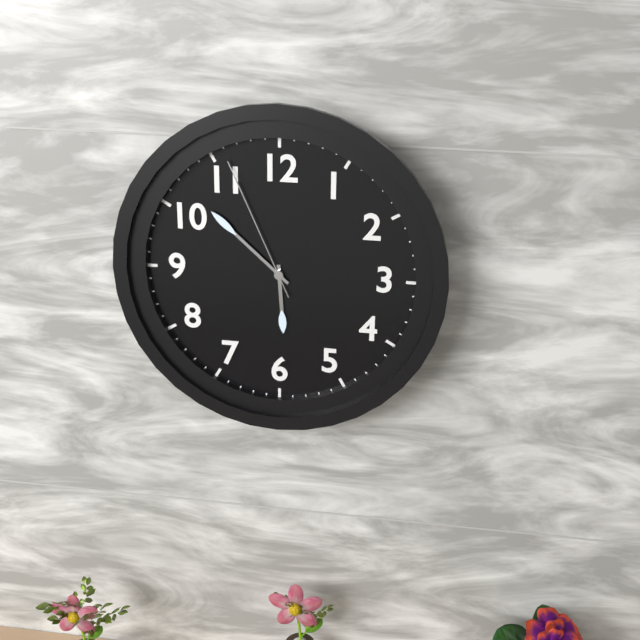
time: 5:52:56
